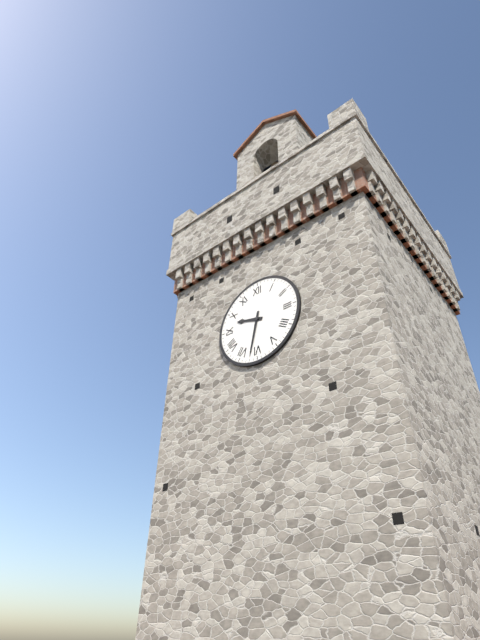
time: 9:32
